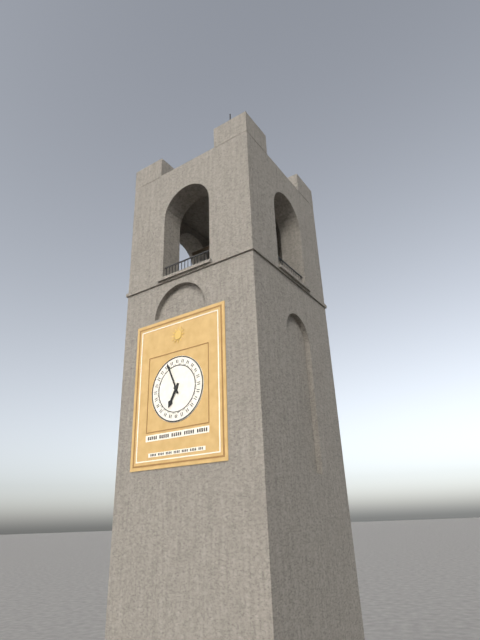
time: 6:56
